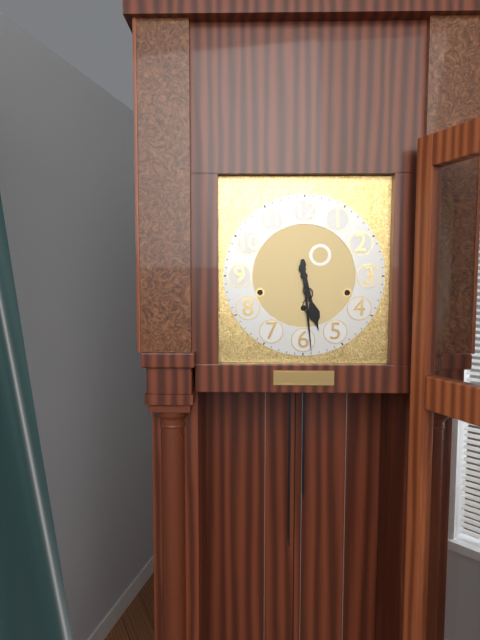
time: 5:29
